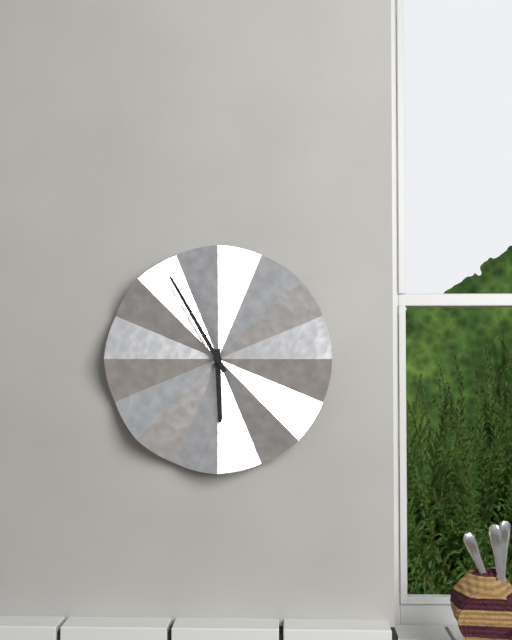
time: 5:55
